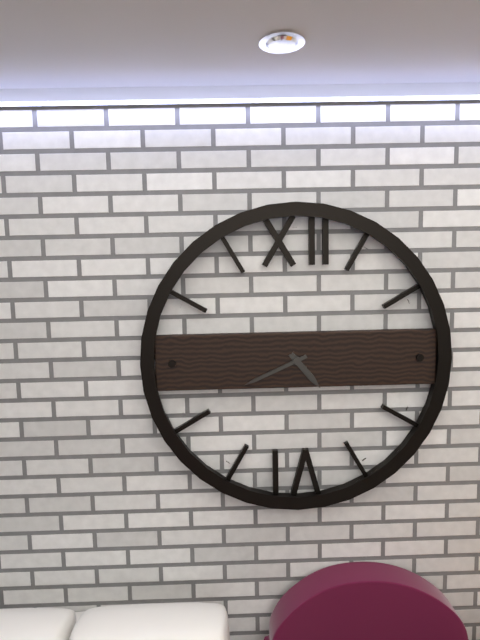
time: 4:41
